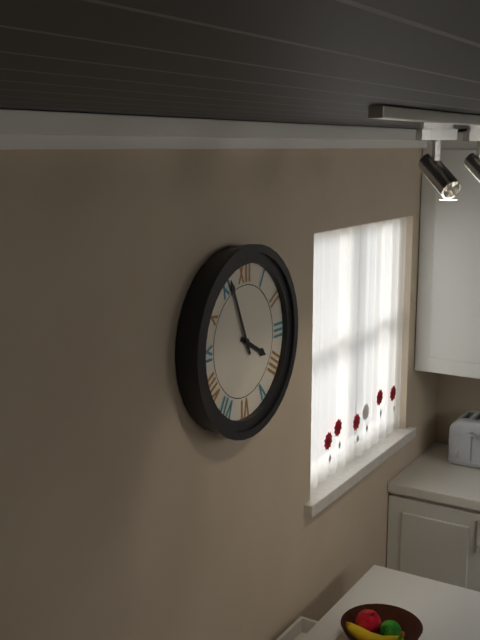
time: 3:56
